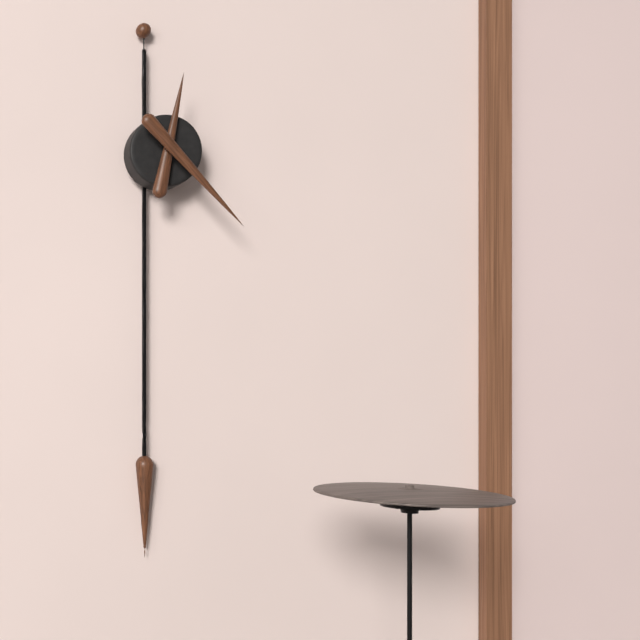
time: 12:23
